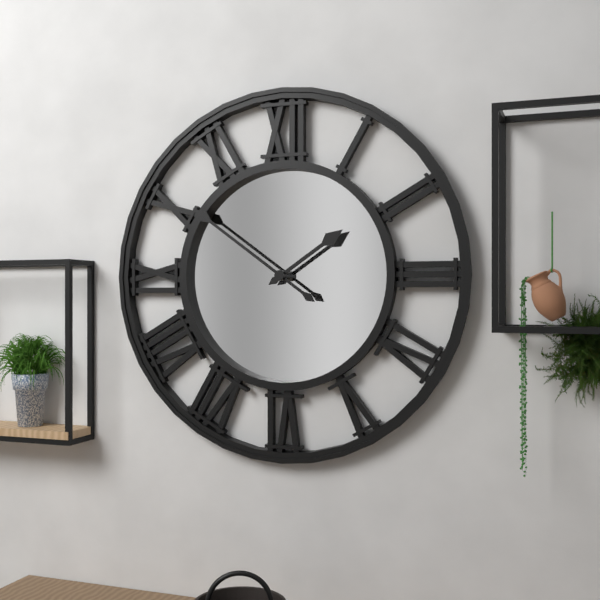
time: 1:51
